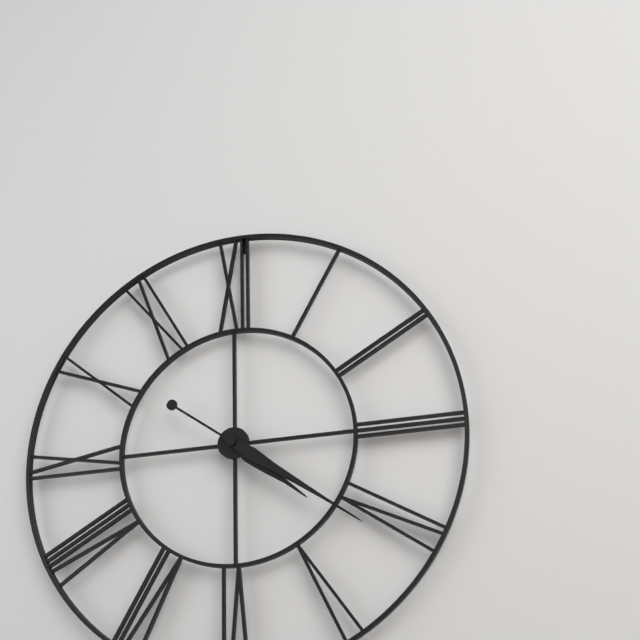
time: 4:21
